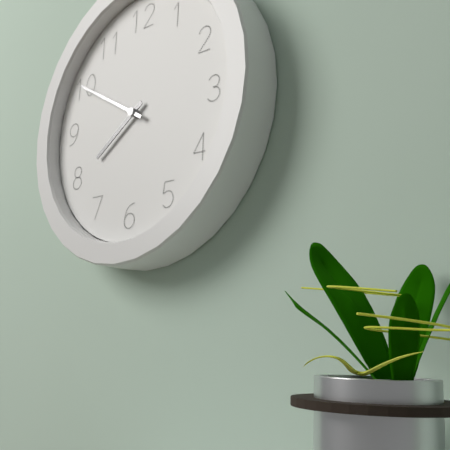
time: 7:50
